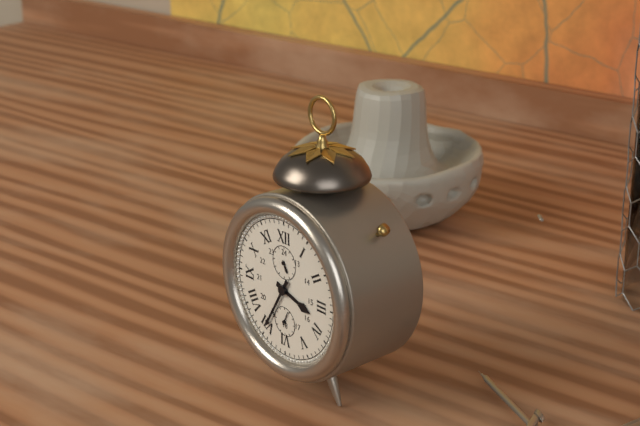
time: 3:35
